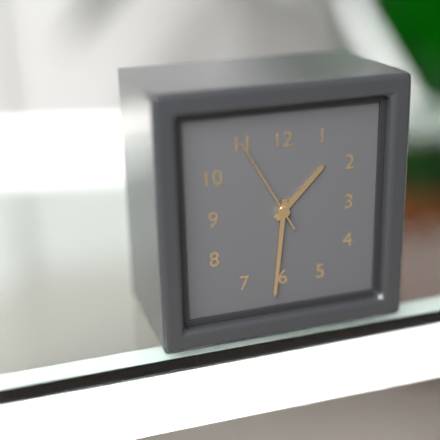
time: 1:31:55
